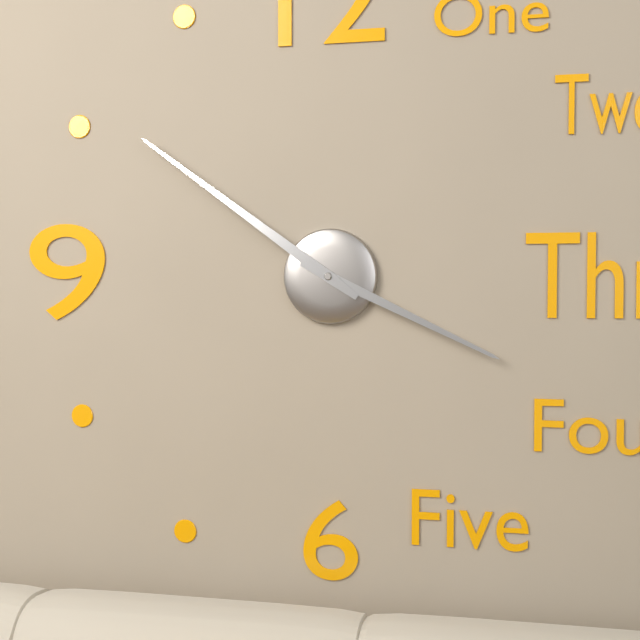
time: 3:51
